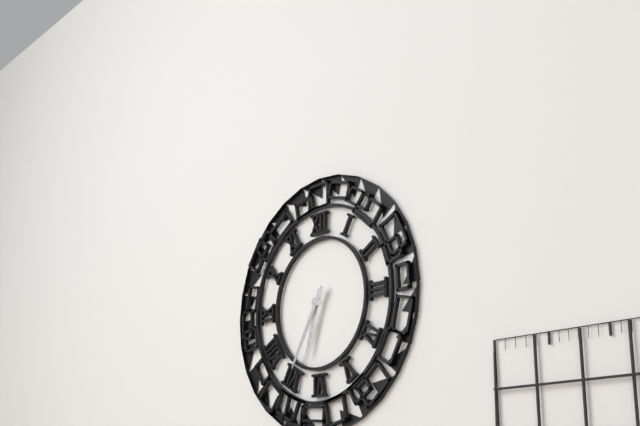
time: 6:35
